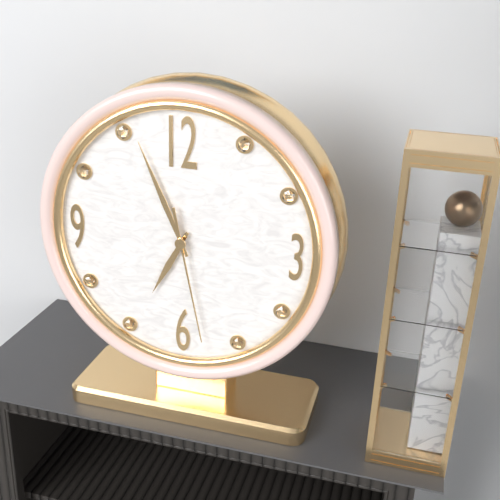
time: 6:56:28
